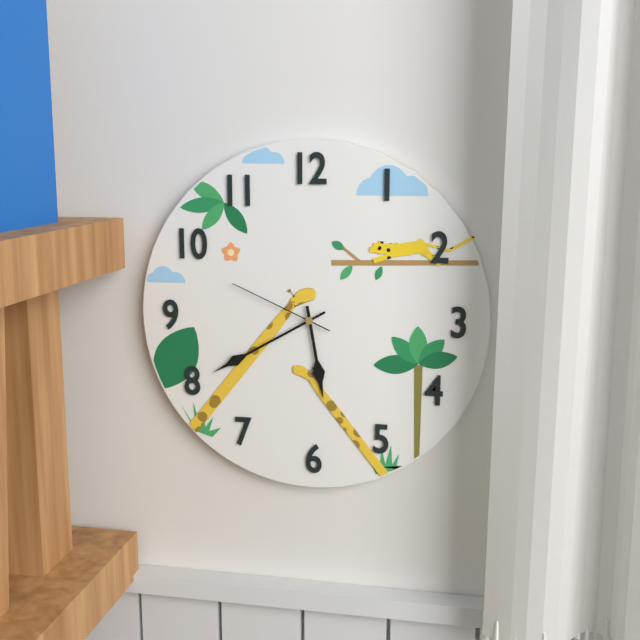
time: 5:40:49
